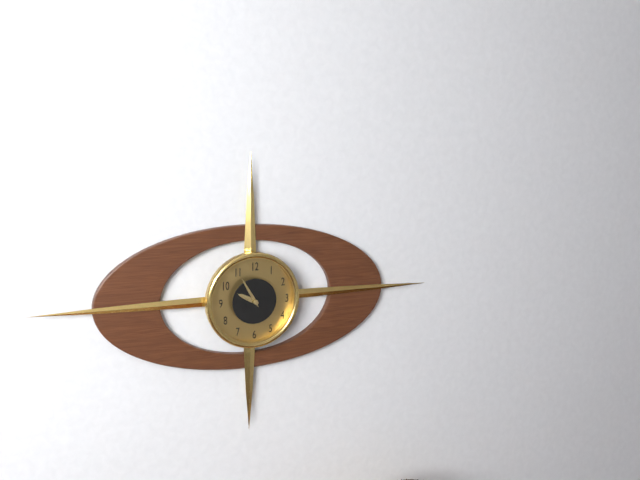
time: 9:55
